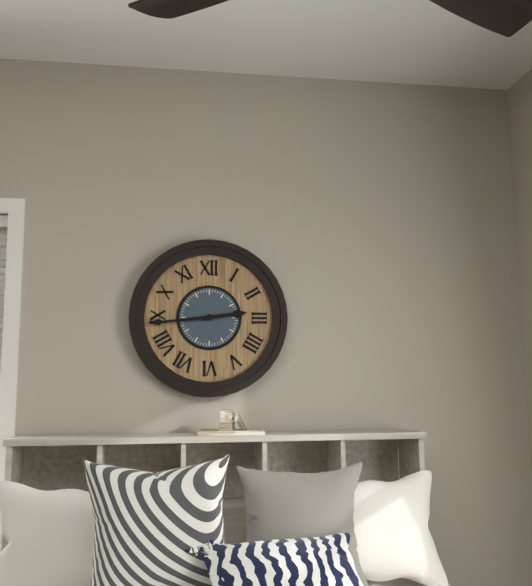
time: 2:44
